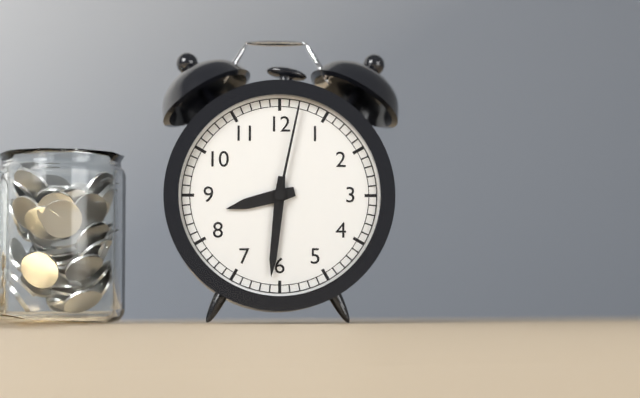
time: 8:31:02
